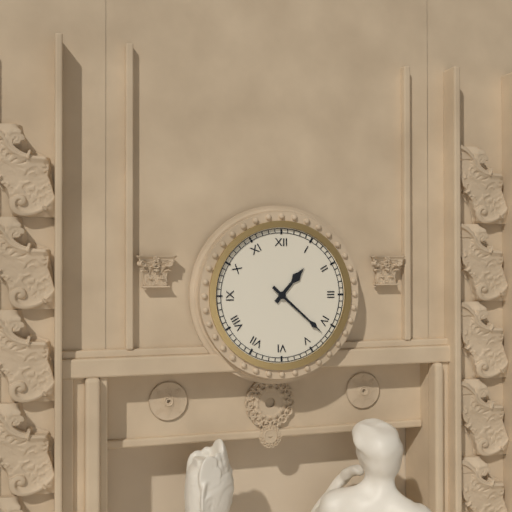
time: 1:22
